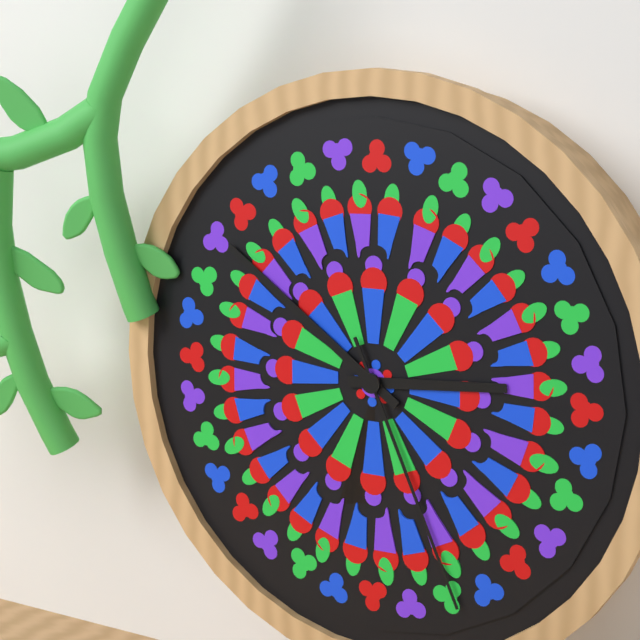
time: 2:51:26
